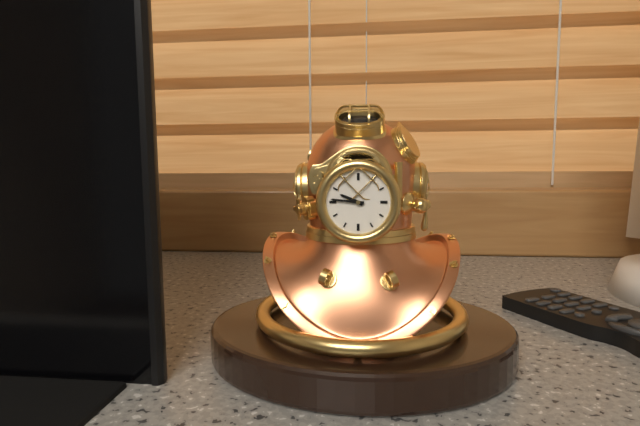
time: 9:46
